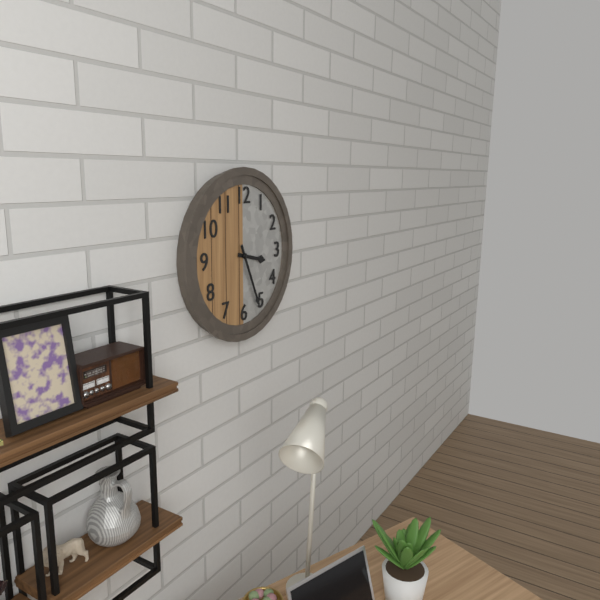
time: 3:26
